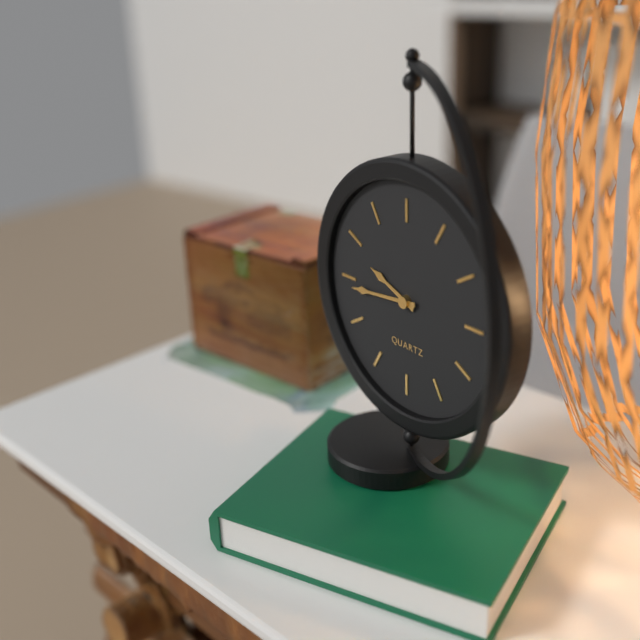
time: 9:44
